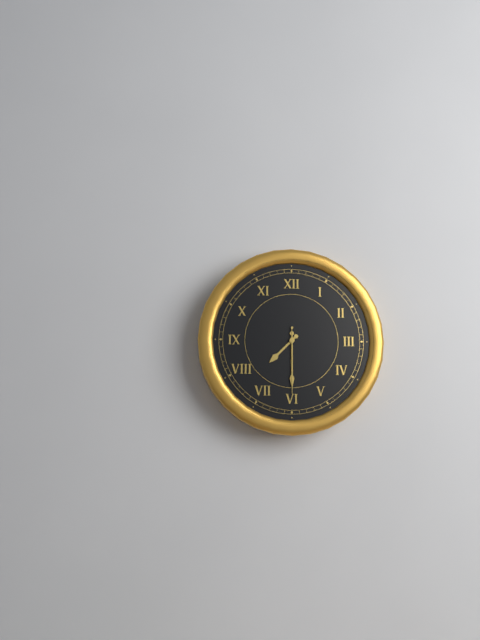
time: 7:30:30
